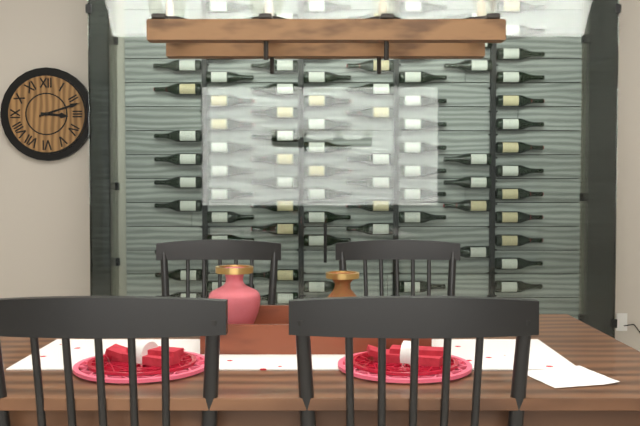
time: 3:12
